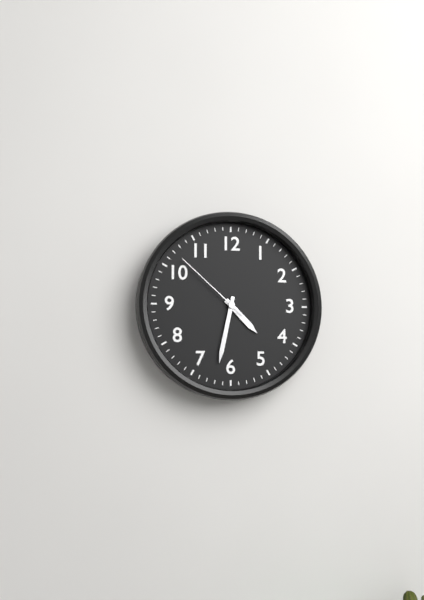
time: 4:32:52
